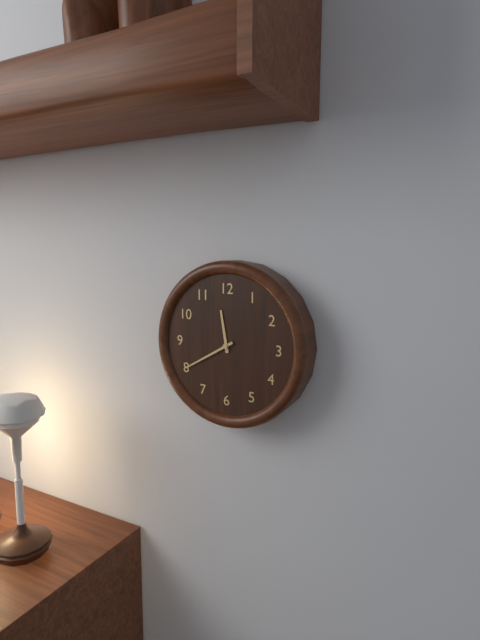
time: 11:40
